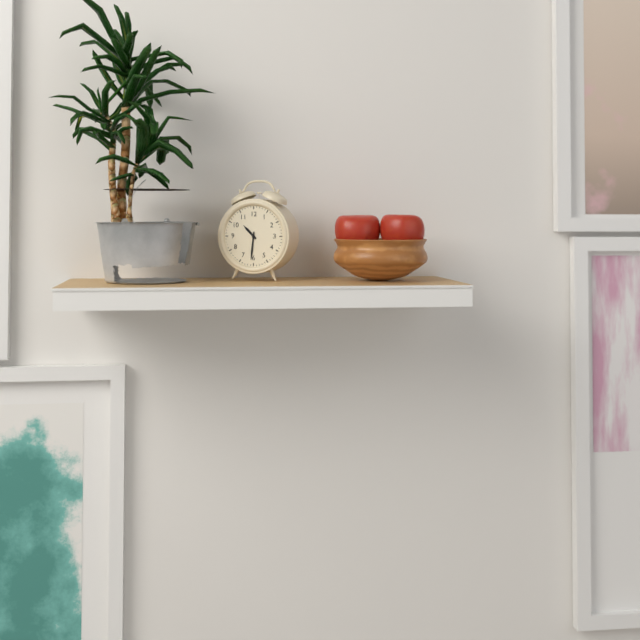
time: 10:31
